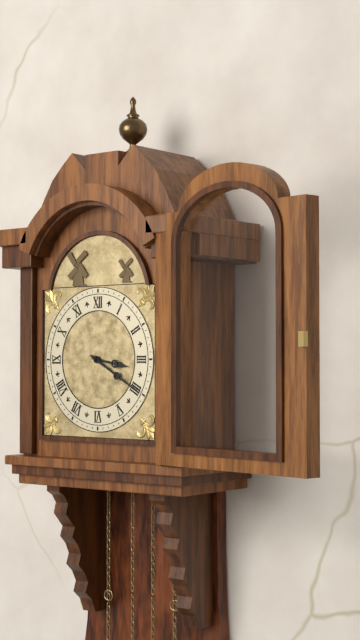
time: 3:20
